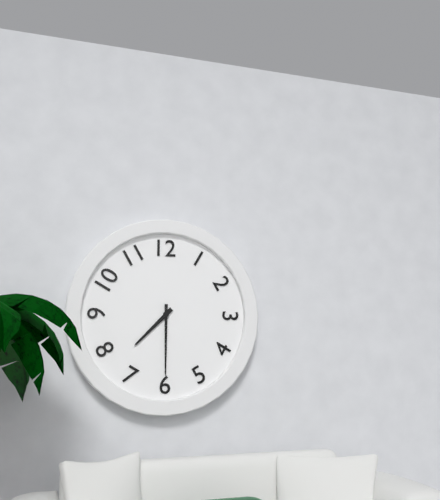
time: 7:30
